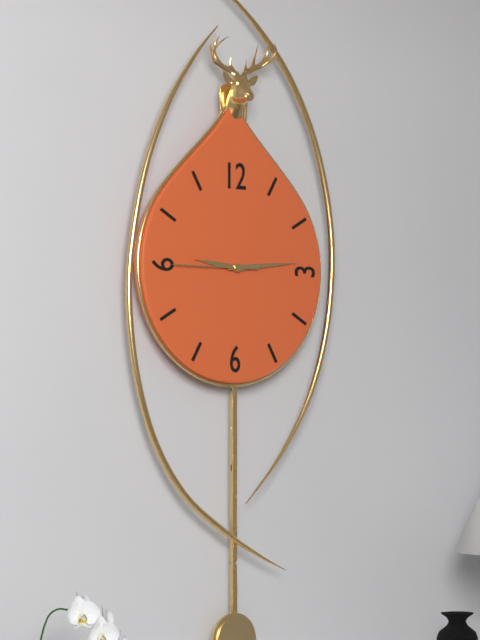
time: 9:14:45
